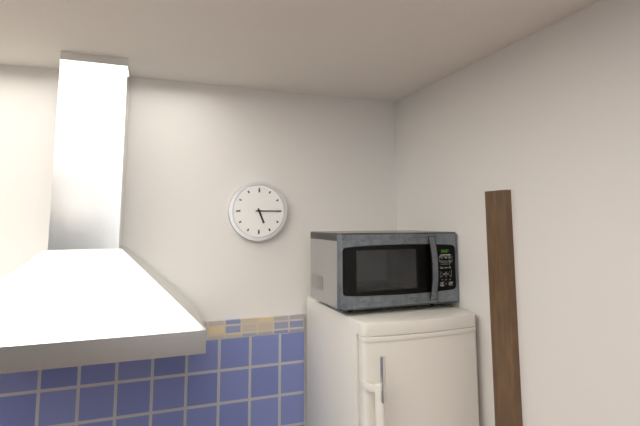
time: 5:15
